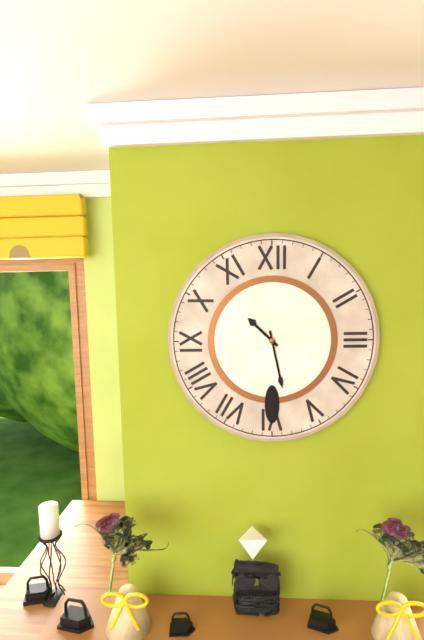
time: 10:28
